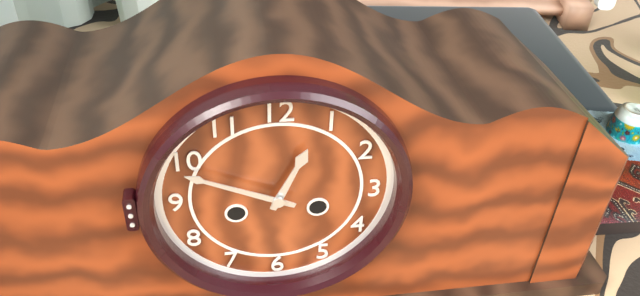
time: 12:49
